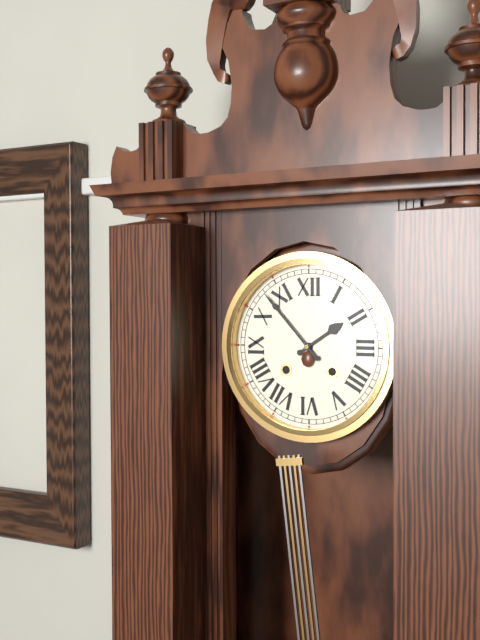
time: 1:53
